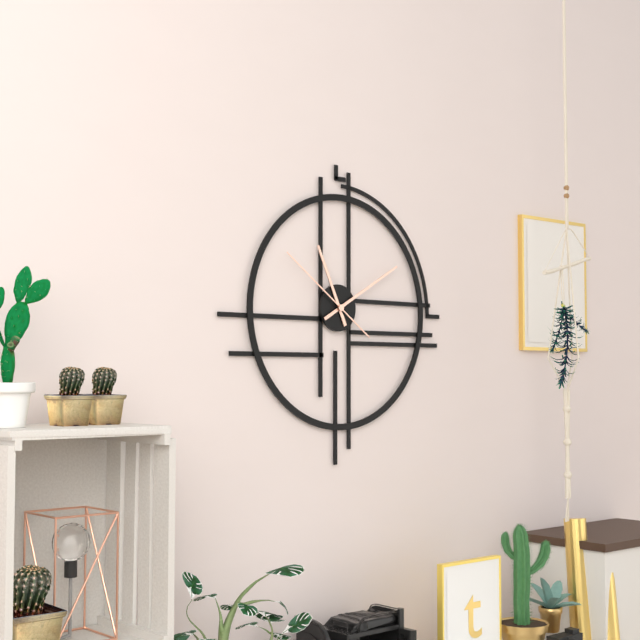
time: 11:10:51
